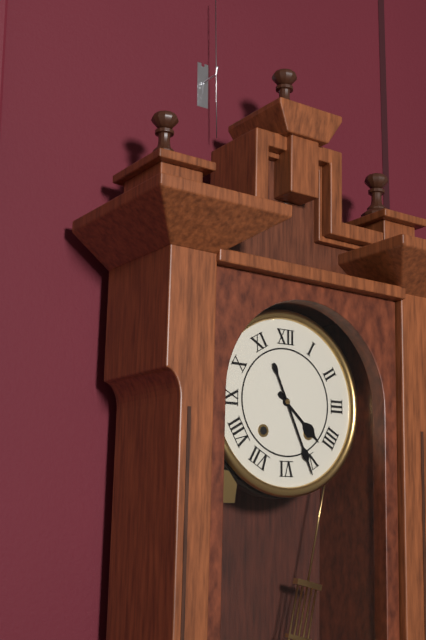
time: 4:26
